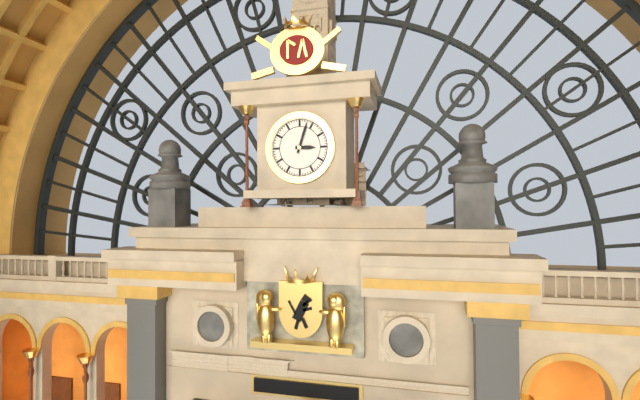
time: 3:03
